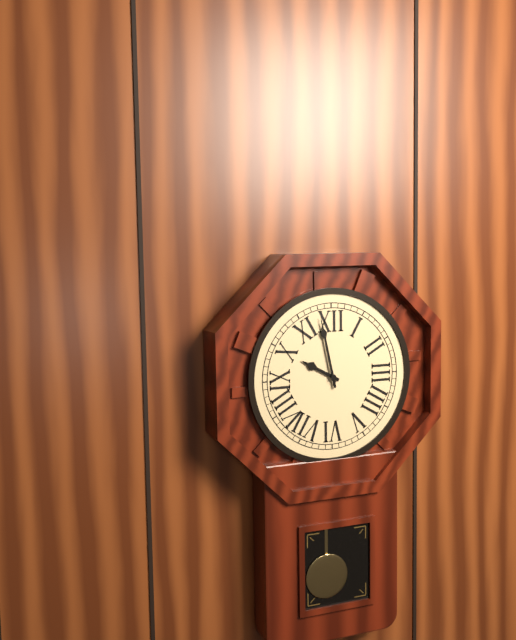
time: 9:58
